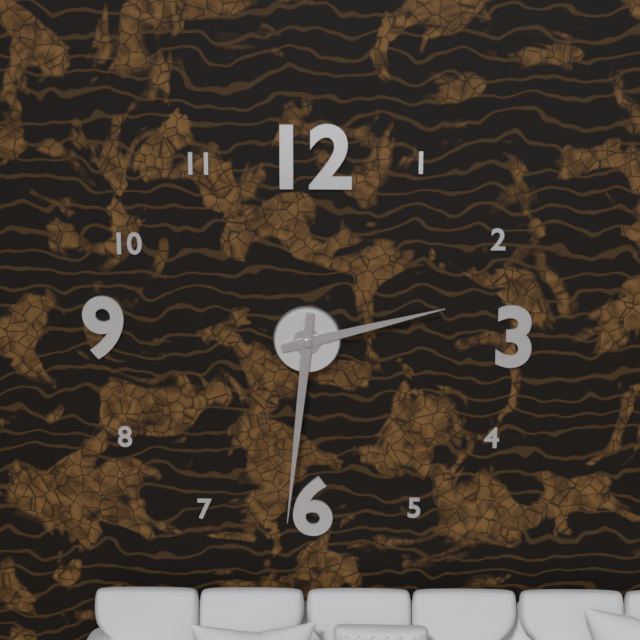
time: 2:31
